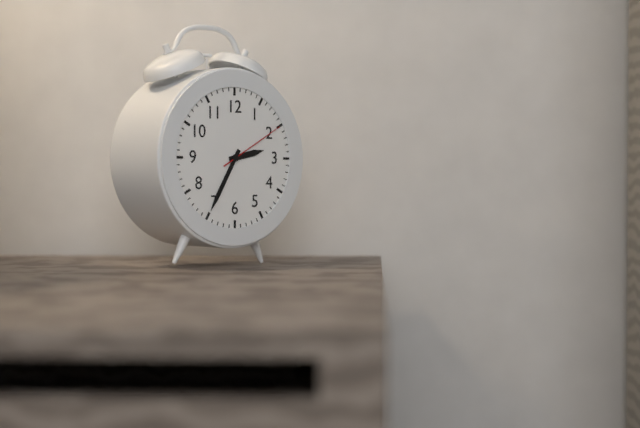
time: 2:35:10
